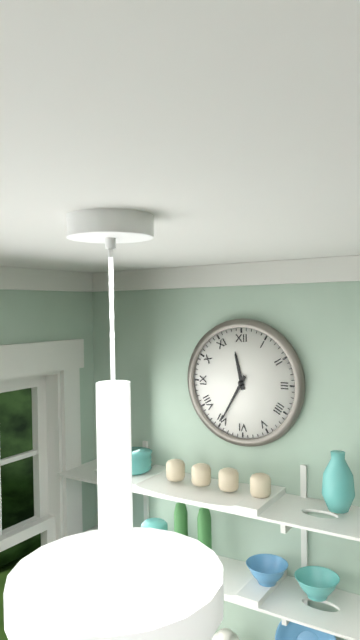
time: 11:35
